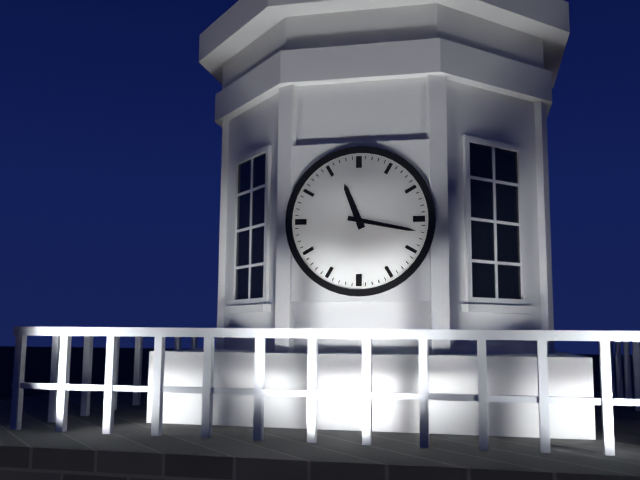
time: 11:17
